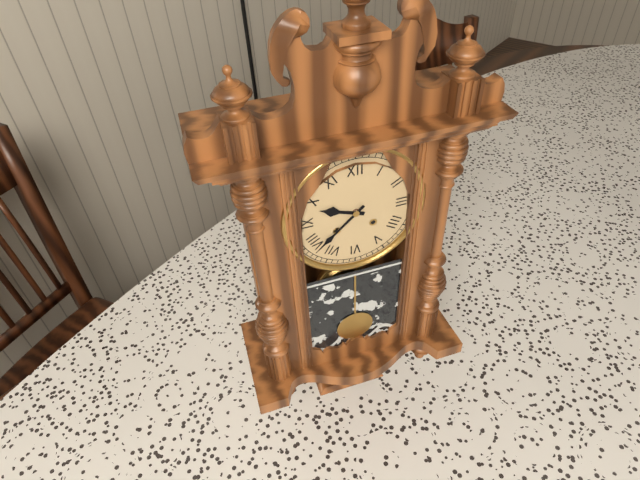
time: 9:38
